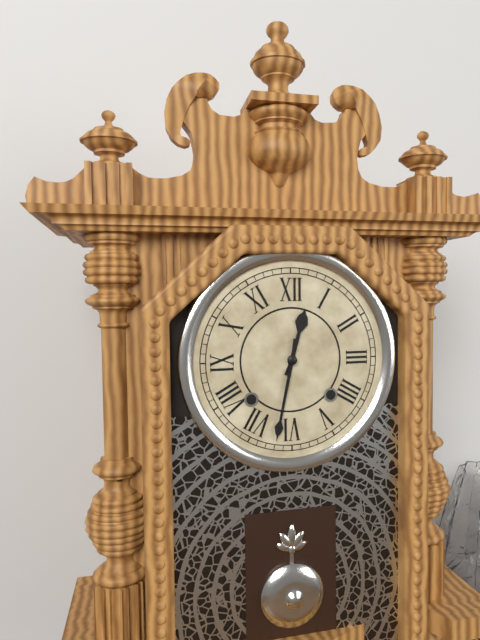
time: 12:32
